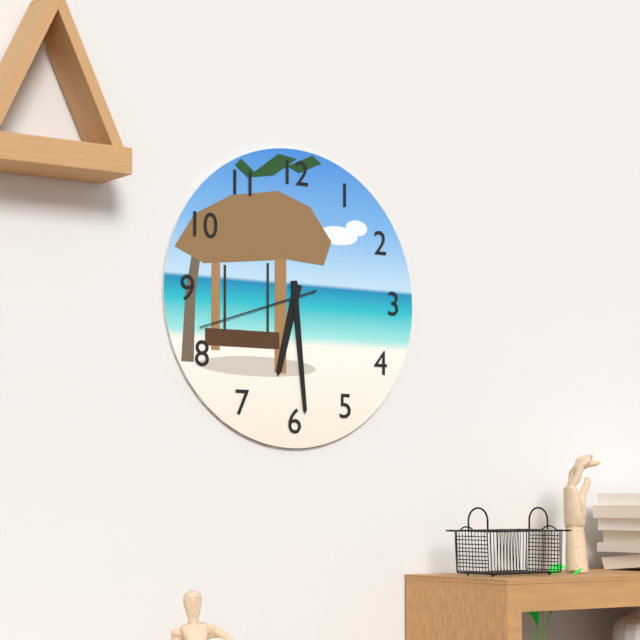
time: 6:29:42
